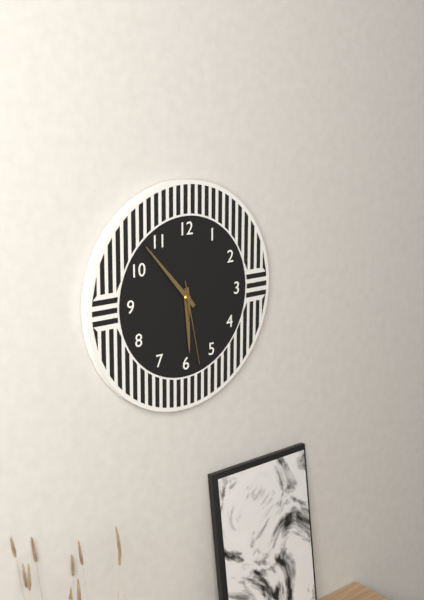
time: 5:53:28
